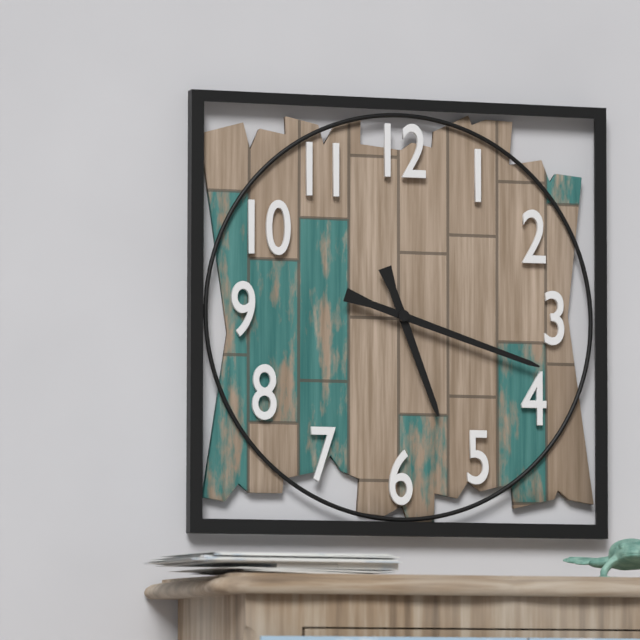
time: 5:18
